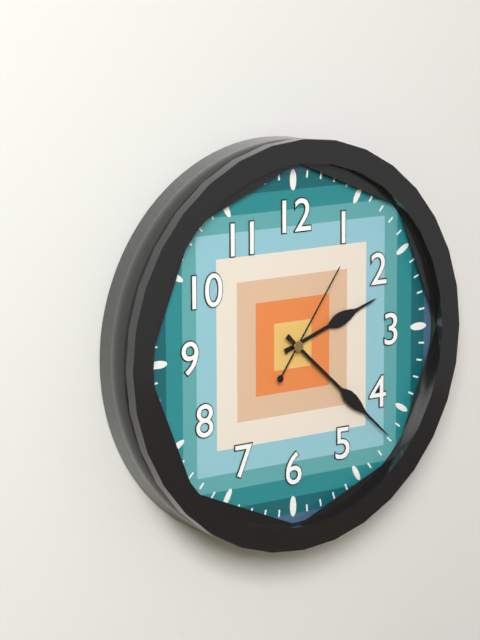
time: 2:22:06
